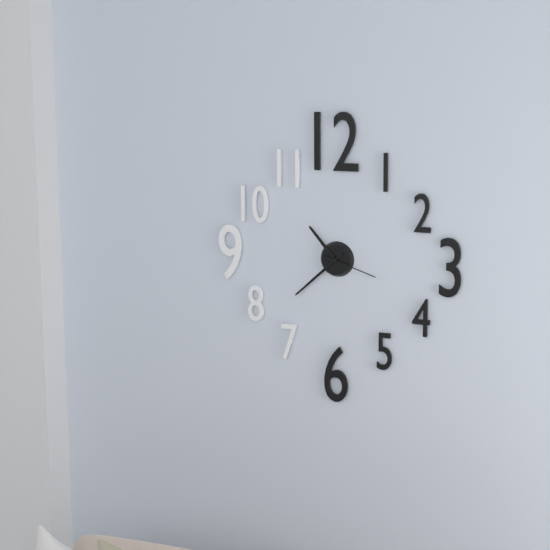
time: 10:38:18
